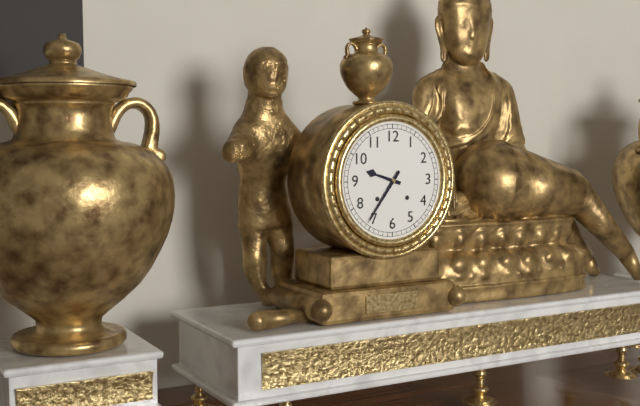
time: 9:36
